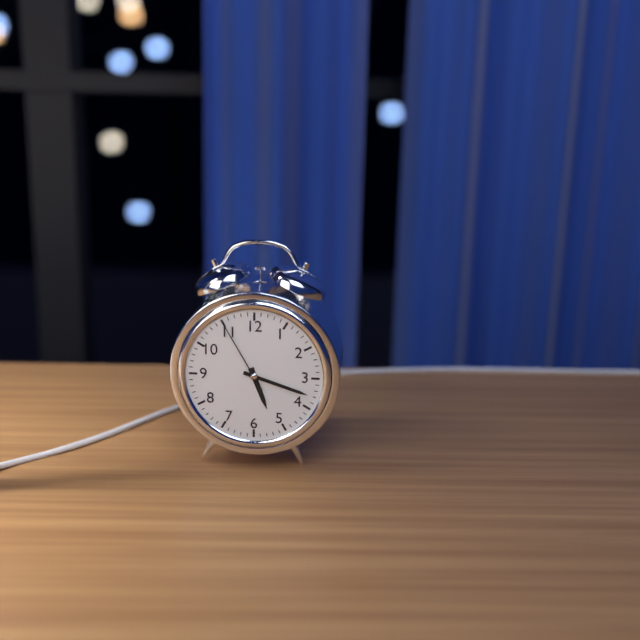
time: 5:18:55
